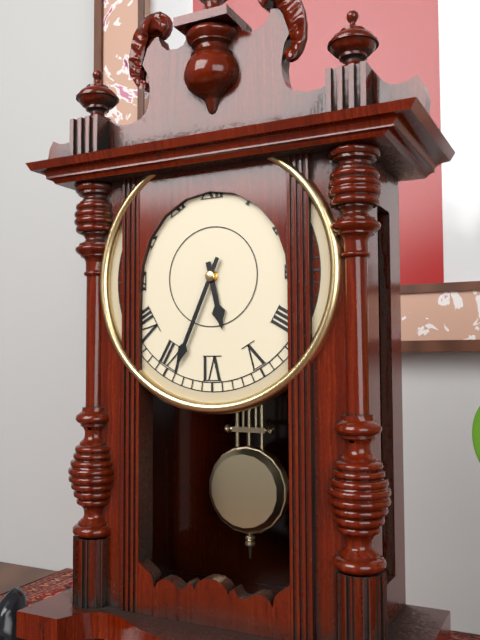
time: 5:34
